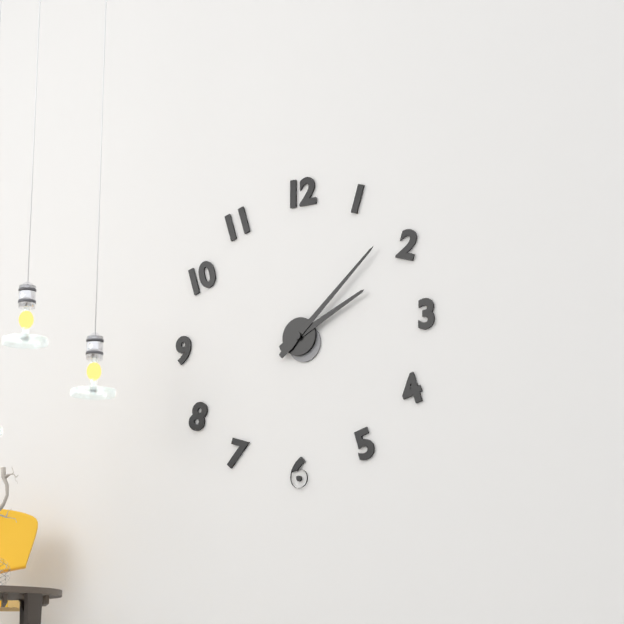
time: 2:08
